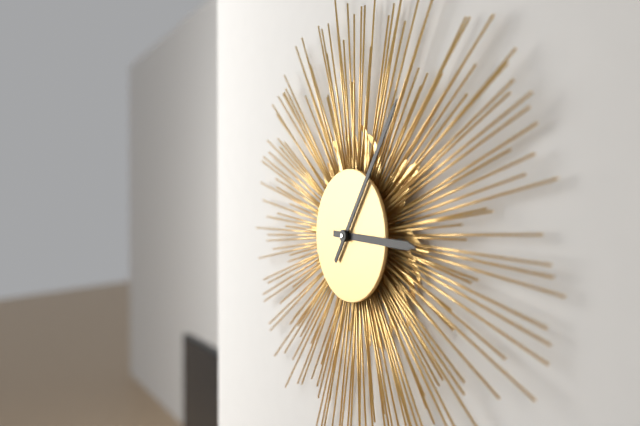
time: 3:06
